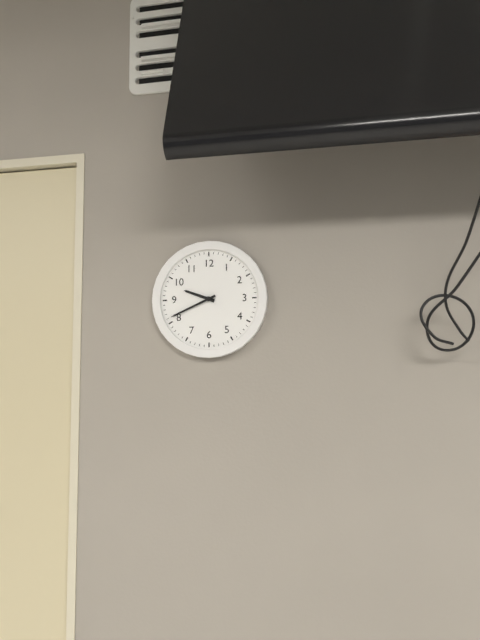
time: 9:41
